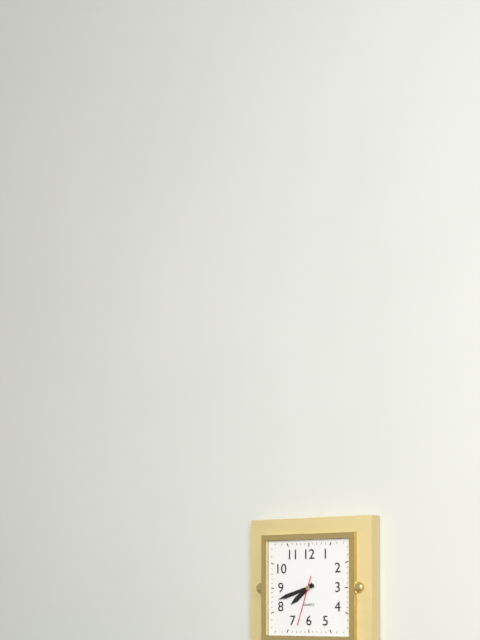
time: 7:42
